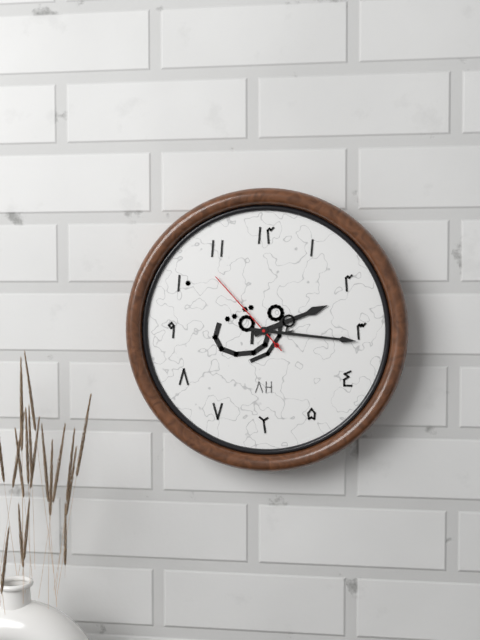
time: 2:16:53
